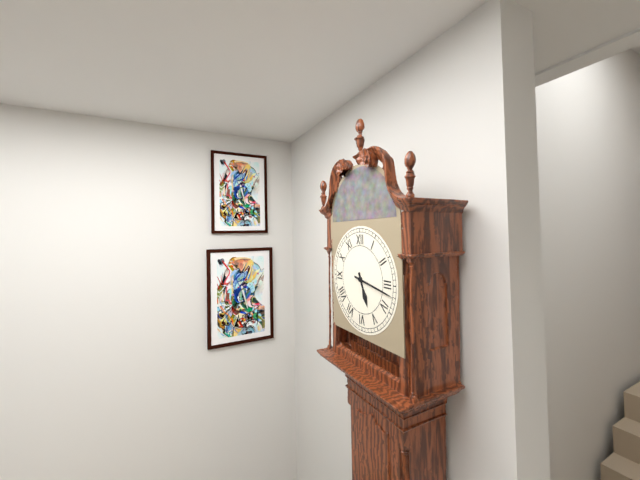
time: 5:17
